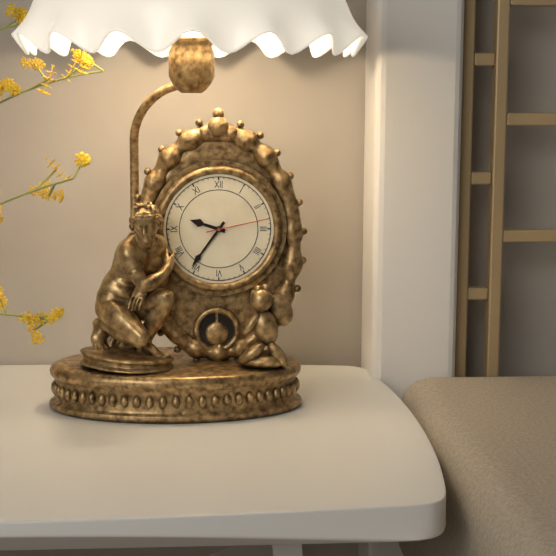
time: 9:36:13
